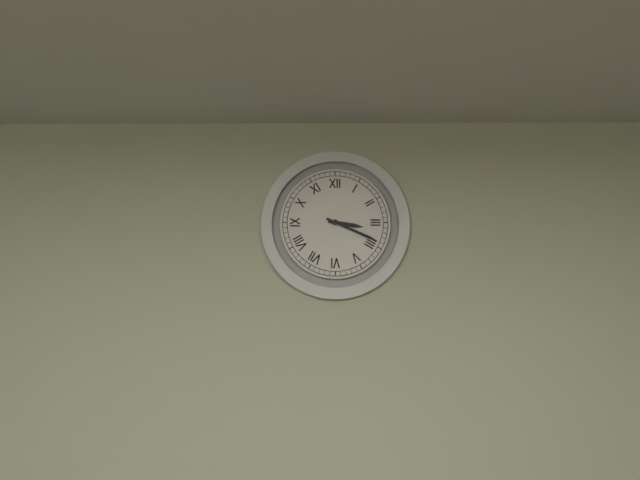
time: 3:19
